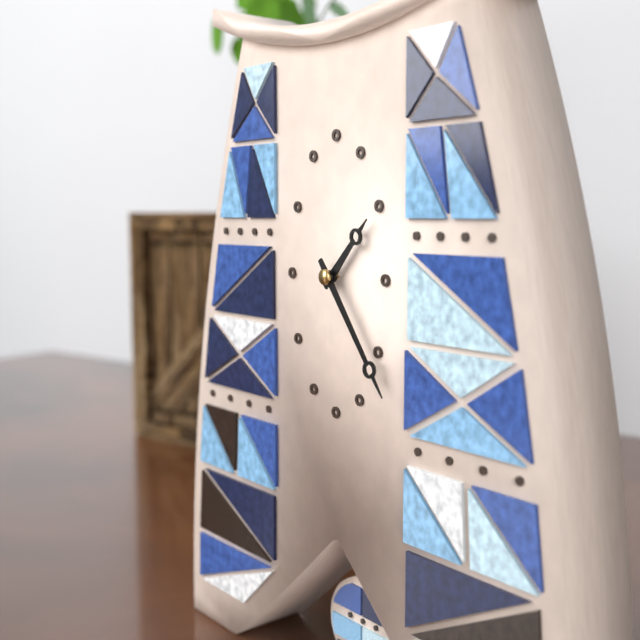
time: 1:24
